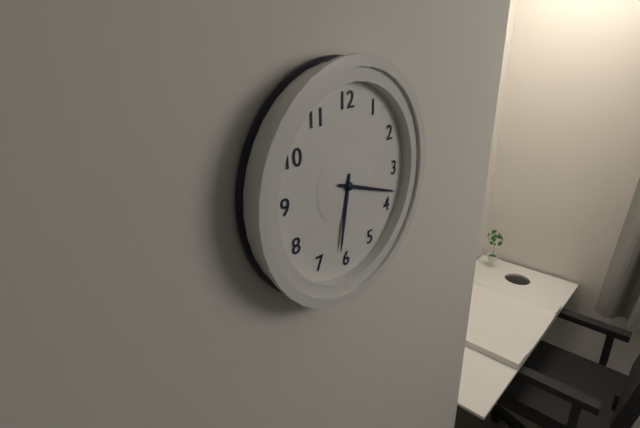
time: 6:18
